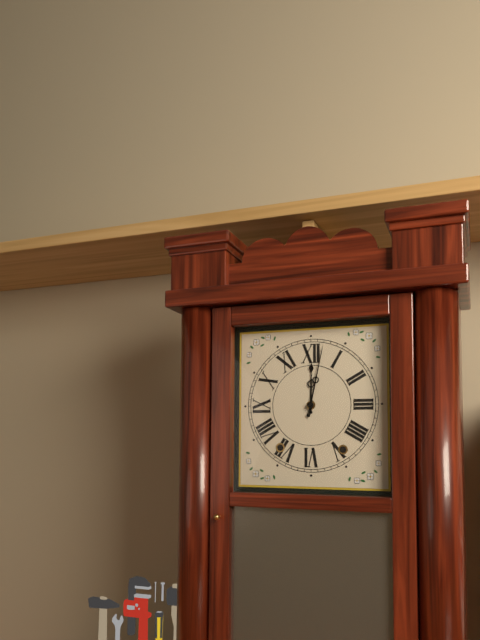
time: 12:02
